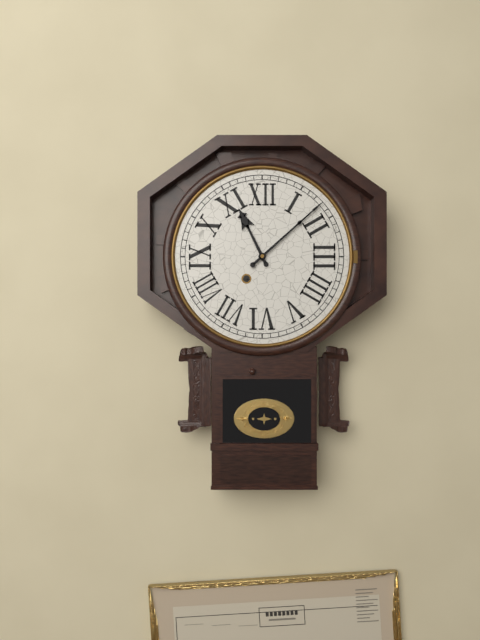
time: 11:08
